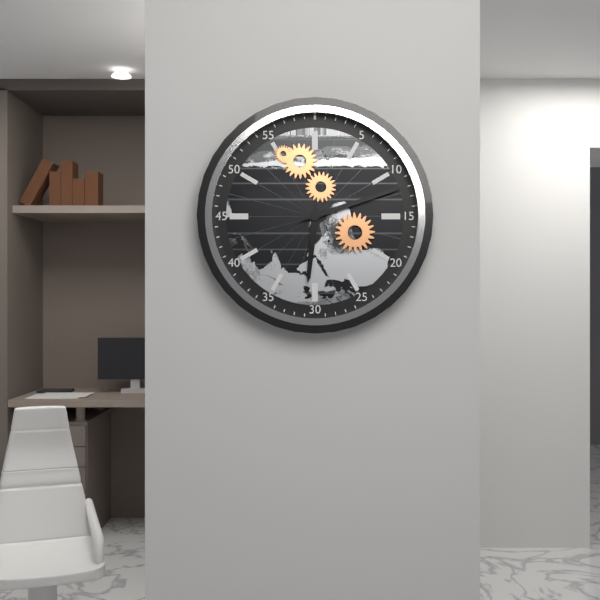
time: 6:12
